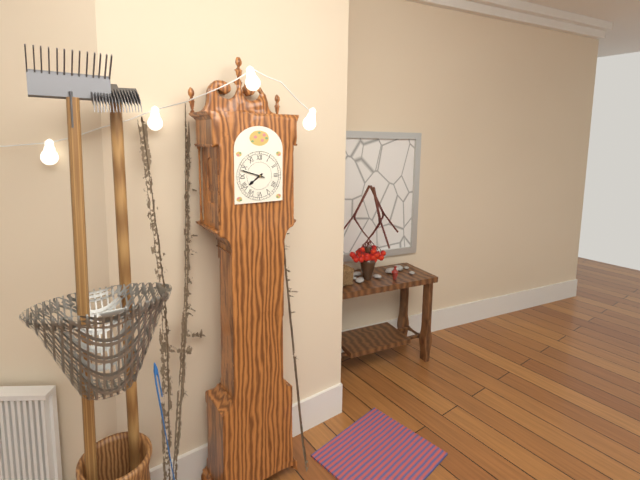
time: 7:48
